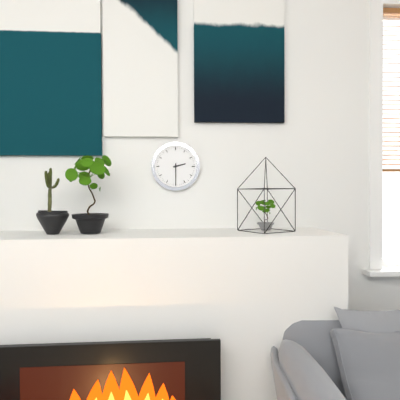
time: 2:30
